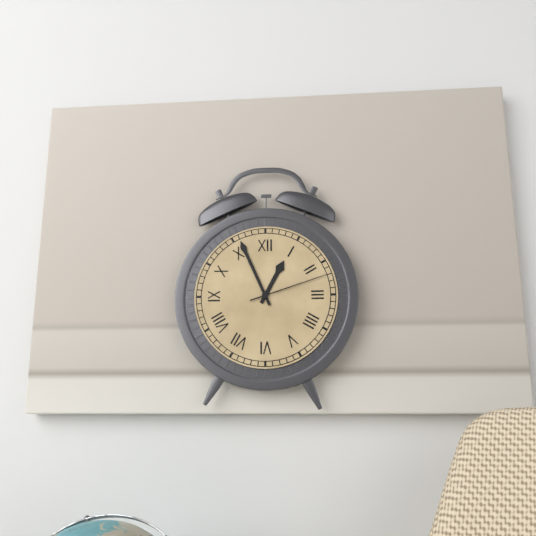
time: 12:56:12
